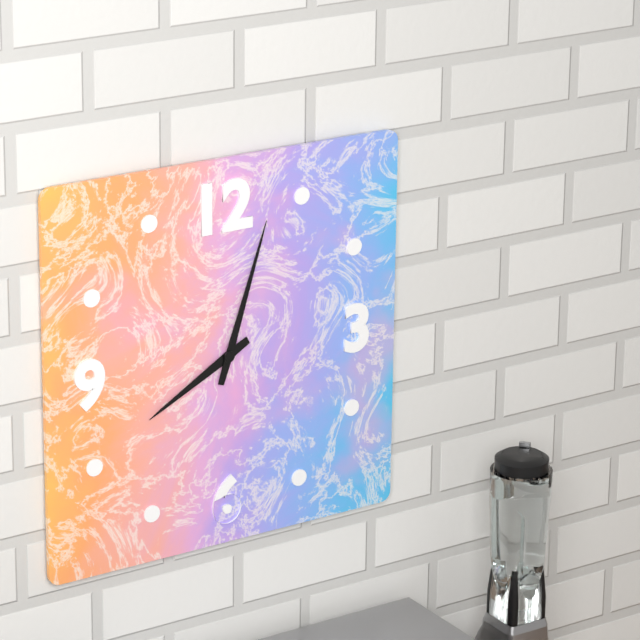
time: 8:03
